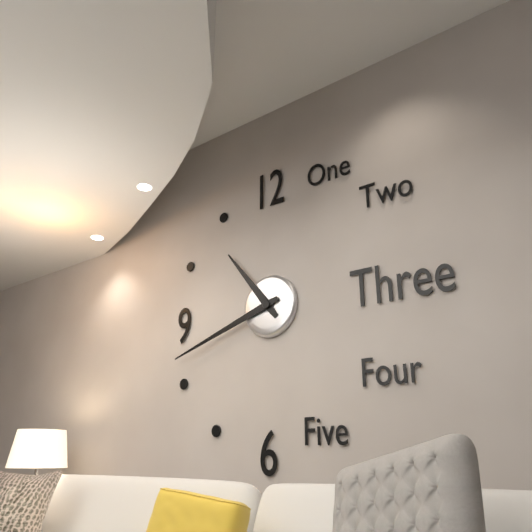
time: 10:42
